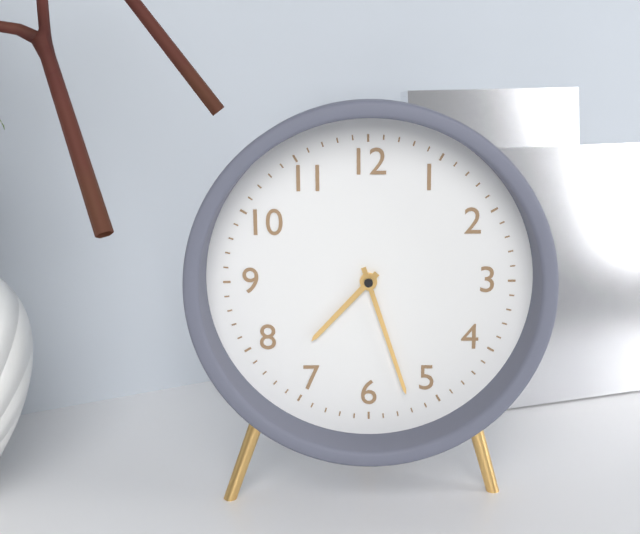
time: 7:27
